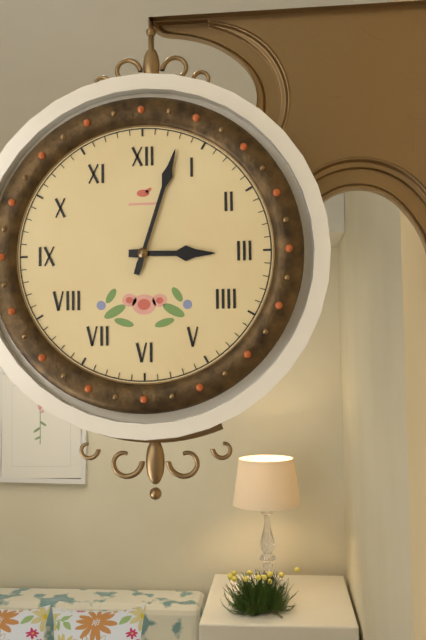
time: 3:03
